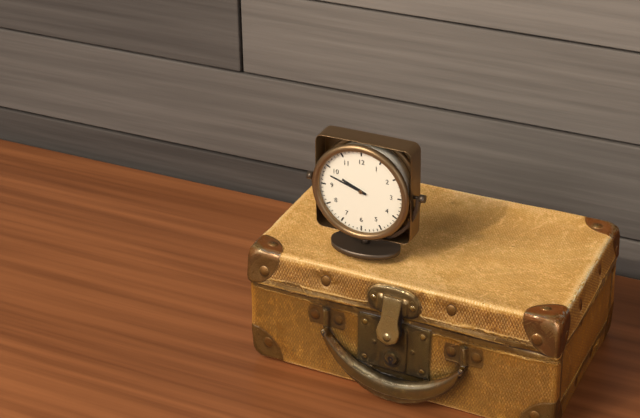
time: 9:48
